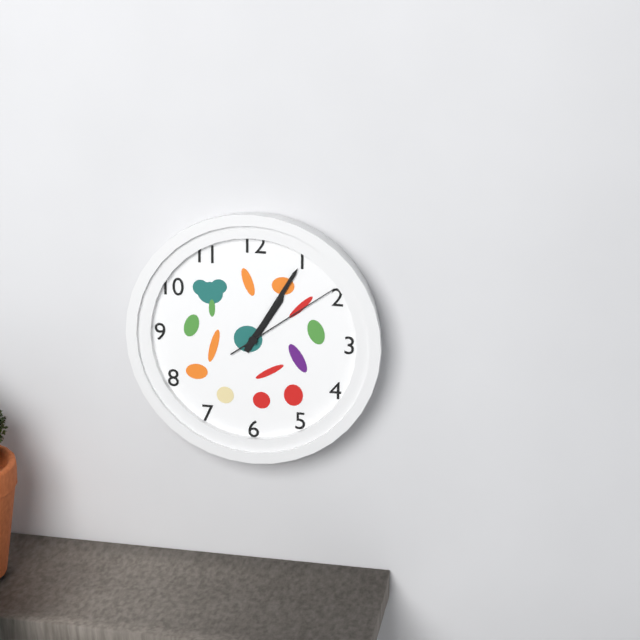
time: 1:05:09
